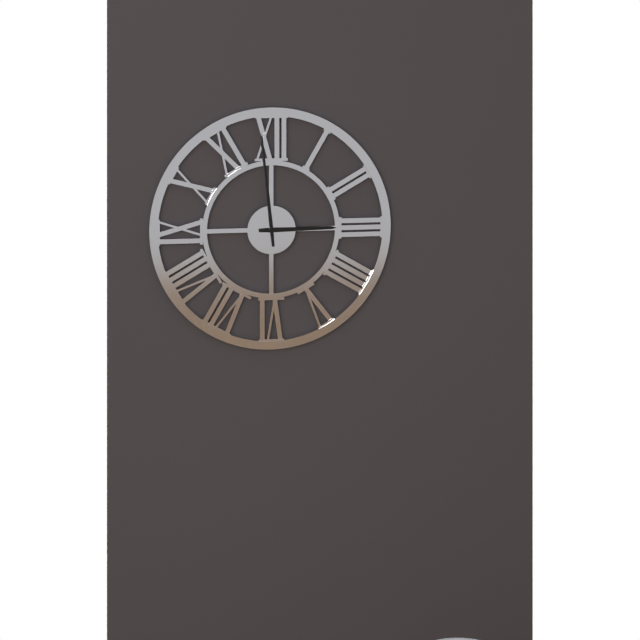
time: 2:59
